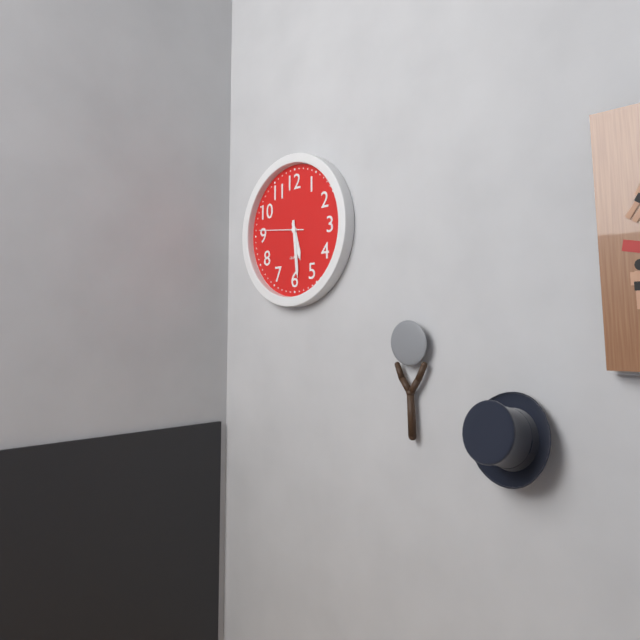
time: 5:29
